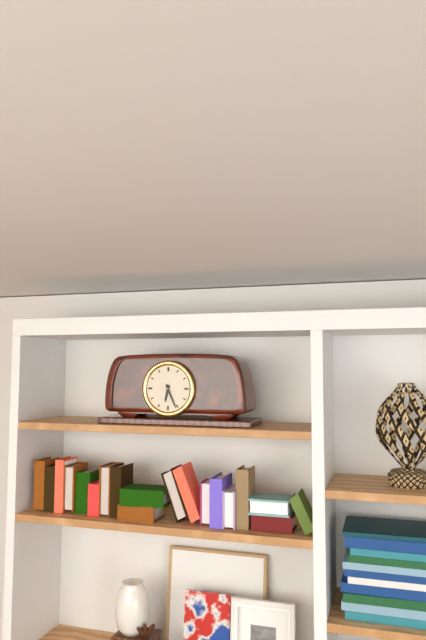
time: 6:26
